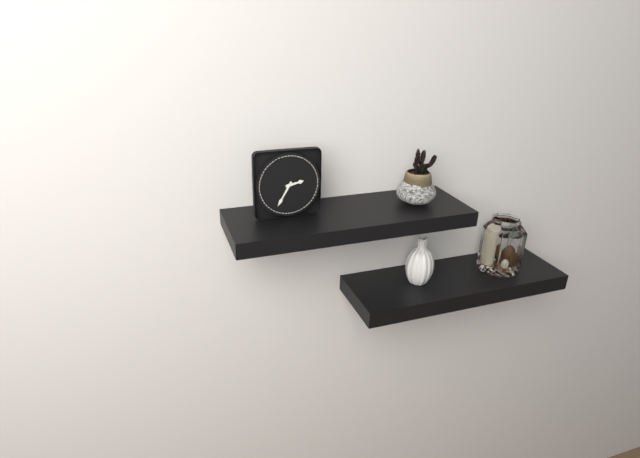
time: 2:35
